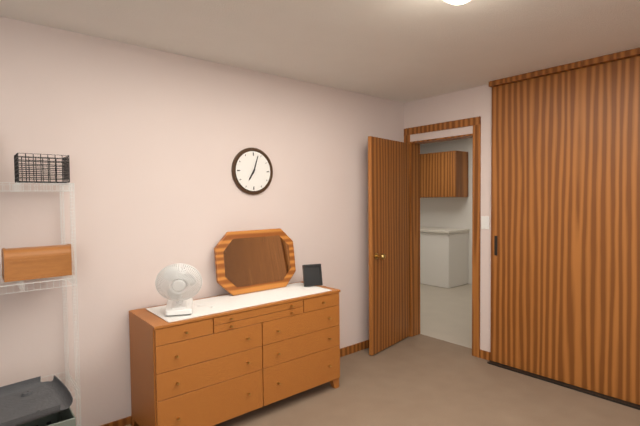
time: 7:03
